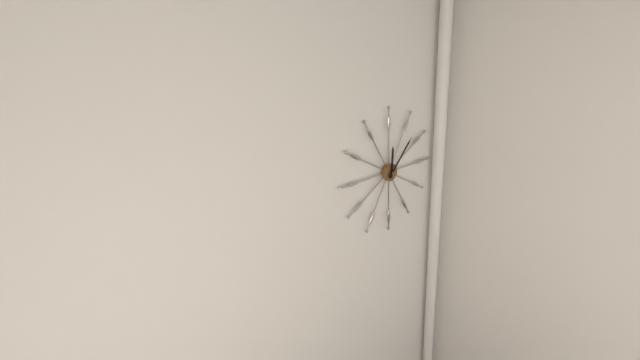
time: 12:07
